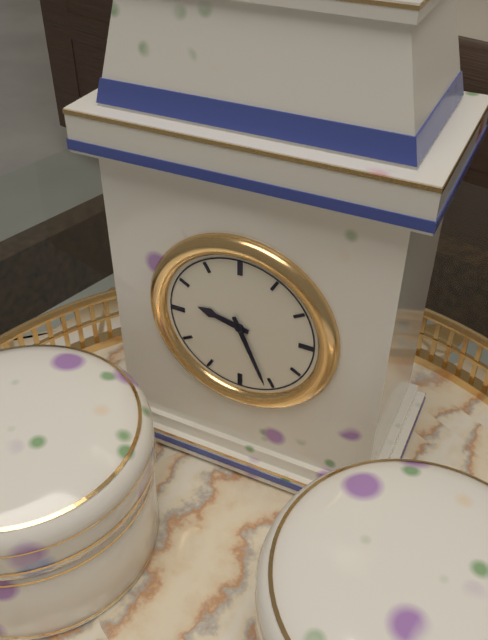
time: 9:26
